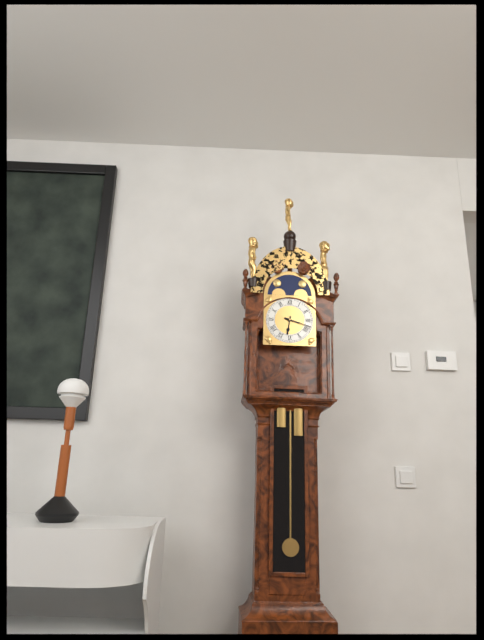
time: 6:18
